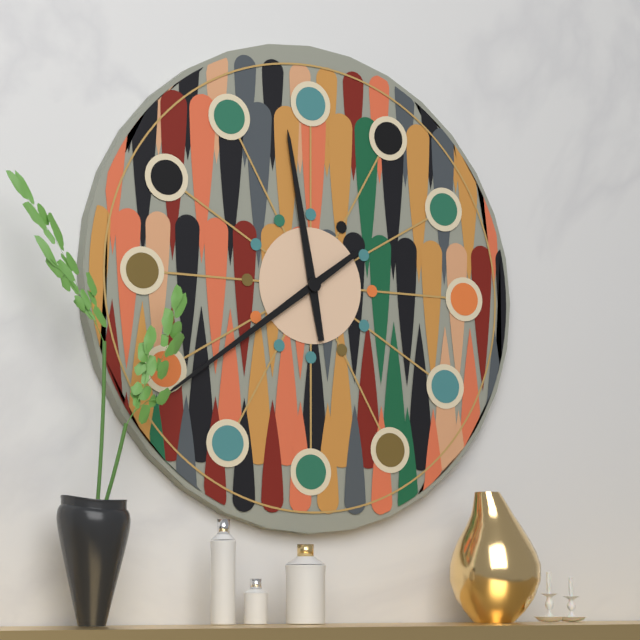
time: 11:39
